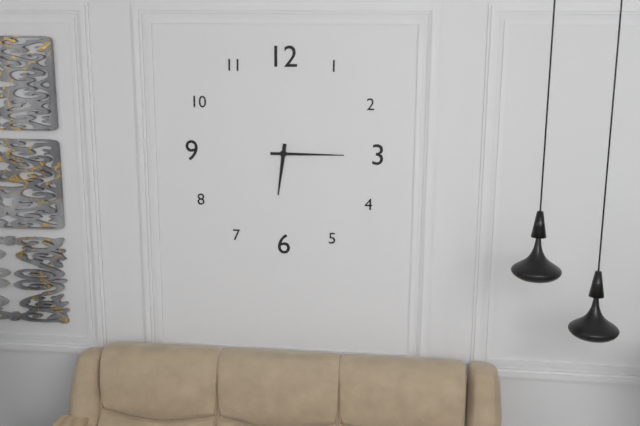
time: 6:15
